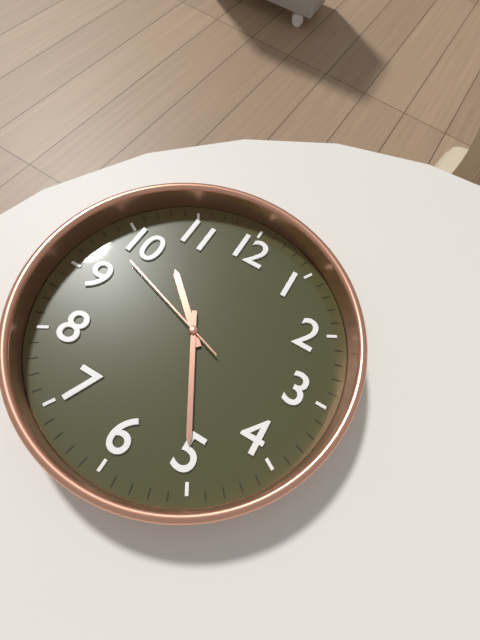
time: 10:25:48
